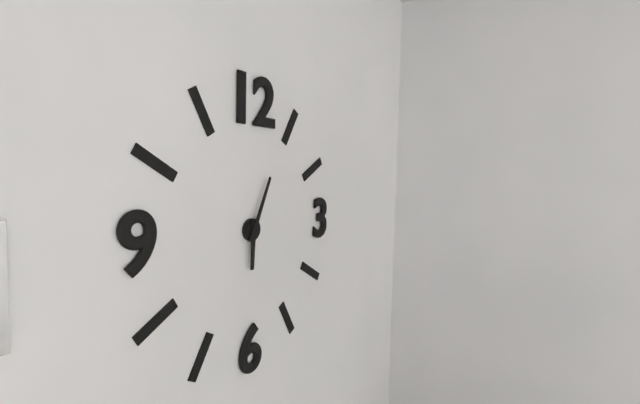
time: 6:04
